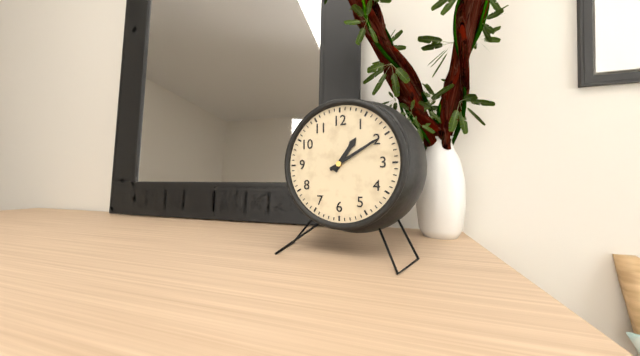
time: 1:10
